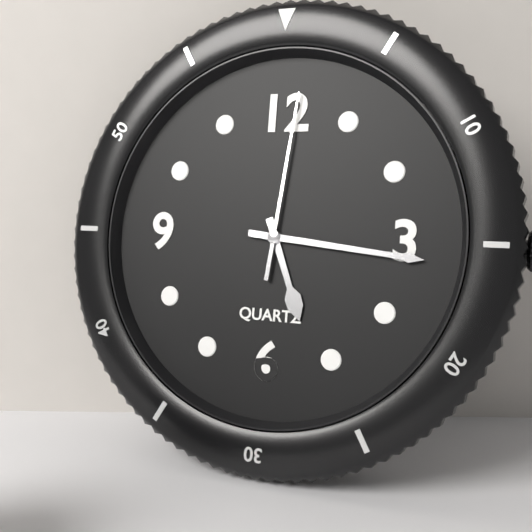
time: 5:16:01
